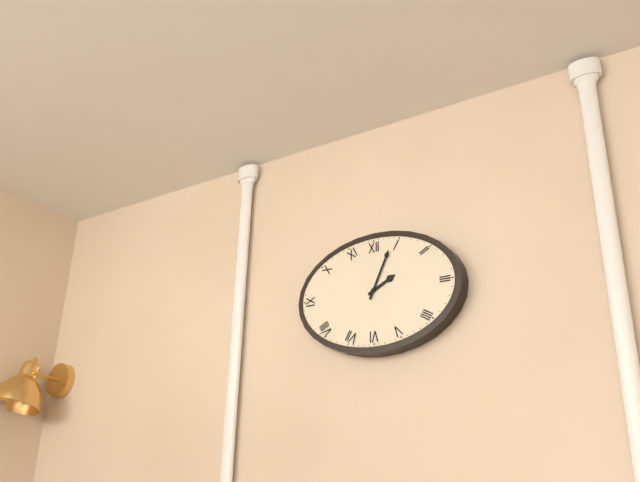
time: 2:04
